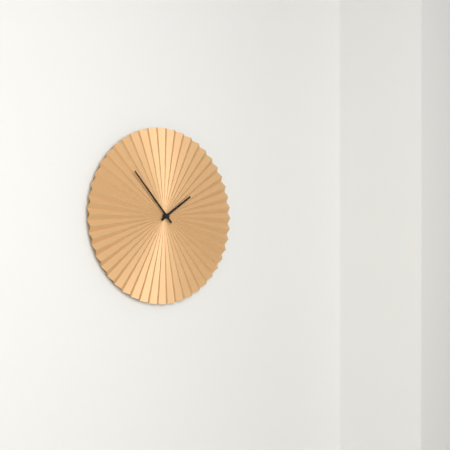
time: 1:53
